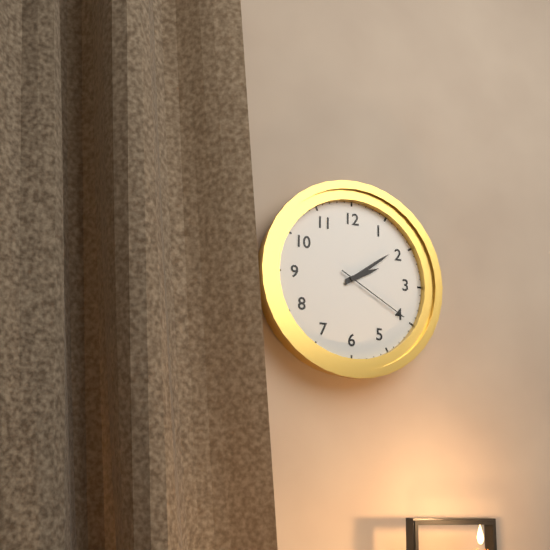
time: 2:09:20
